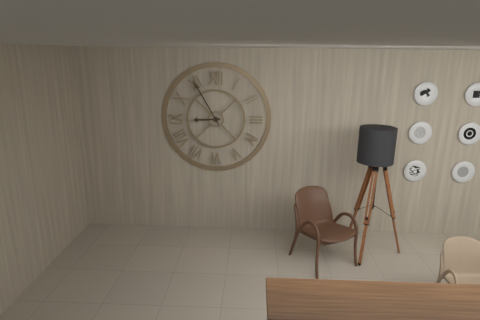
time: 8:55
